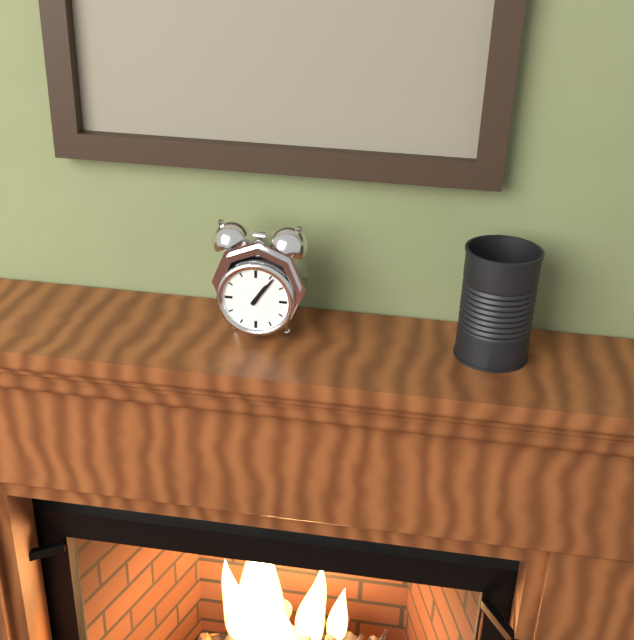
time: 1:06
